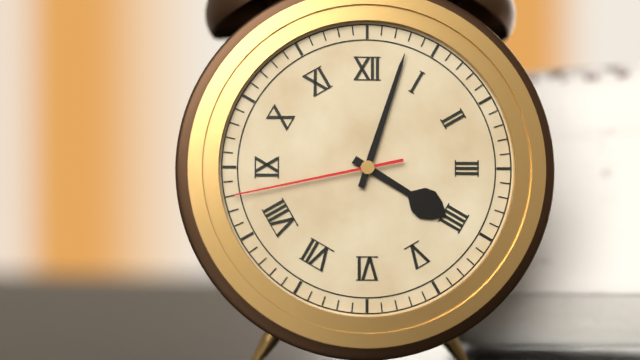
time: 4:03:43
